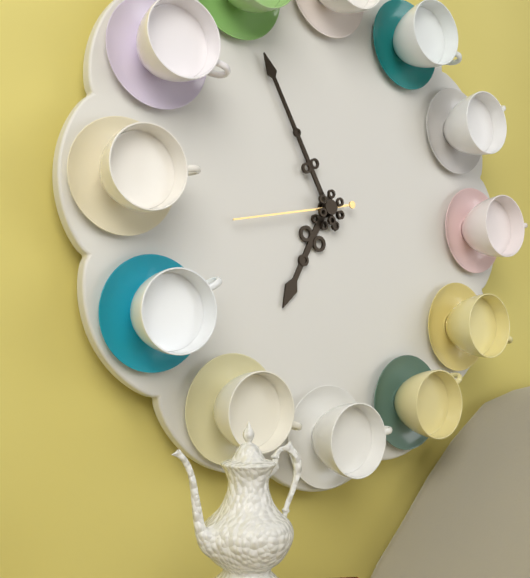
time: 6:55:43
